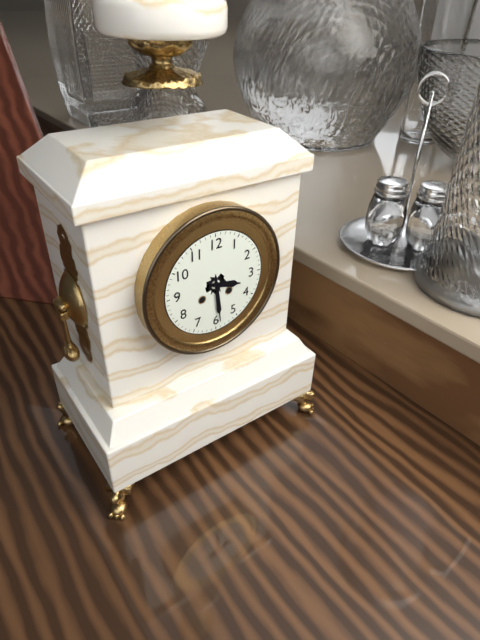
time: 3:29
